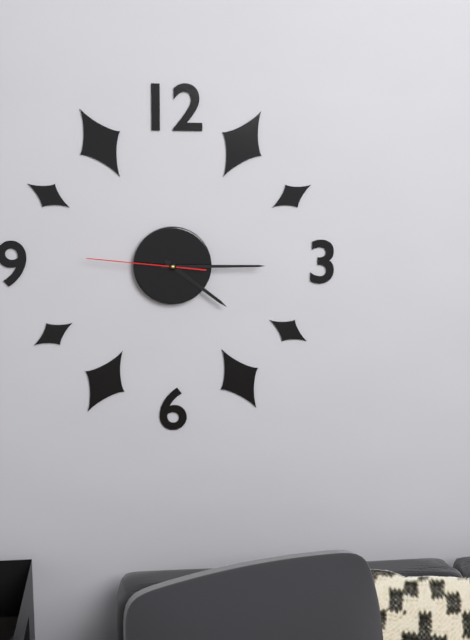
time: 4:15:46
